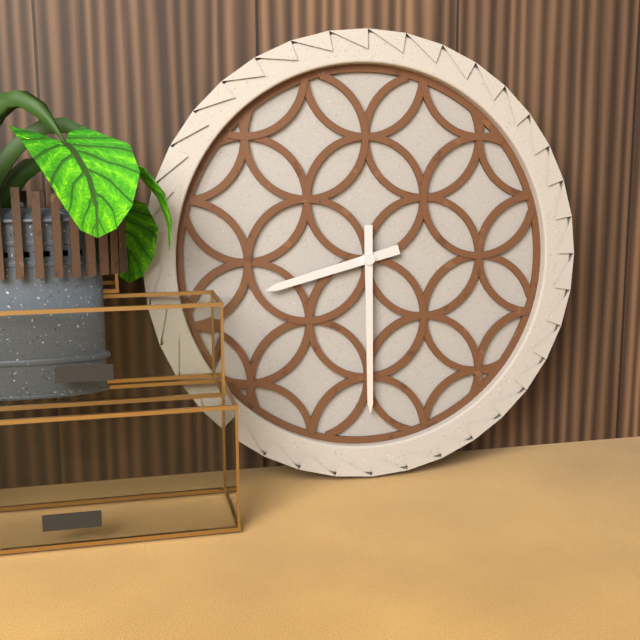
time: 8:30
